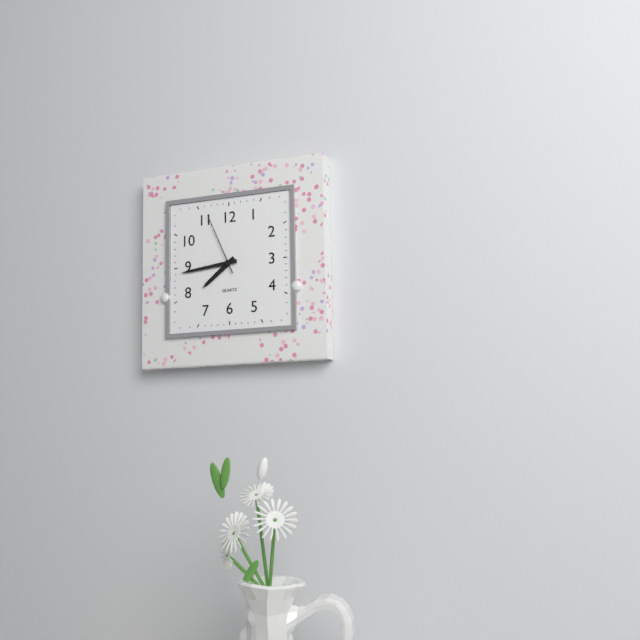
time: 7:44:56
